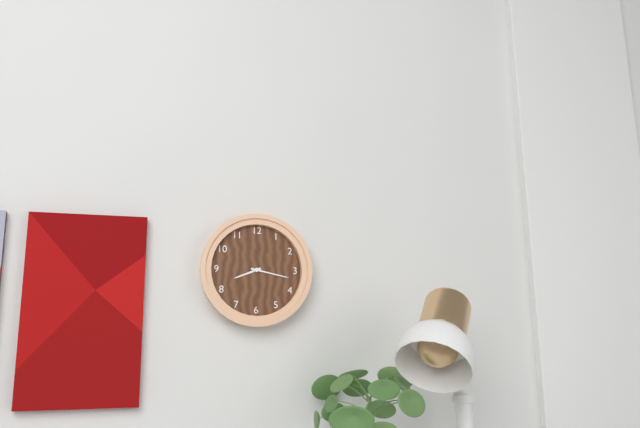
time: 8:17
